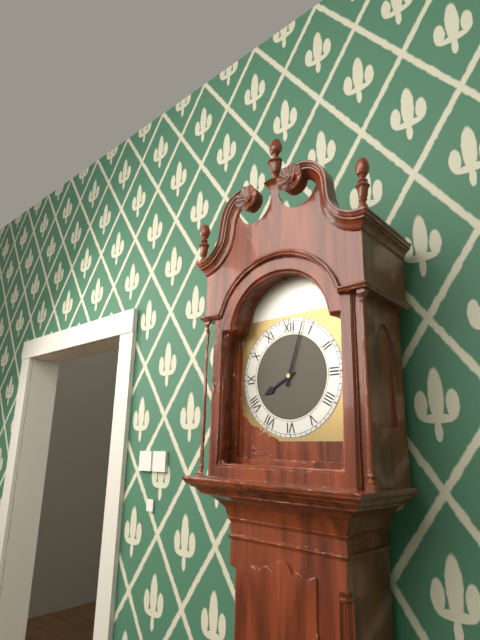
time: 8:03
